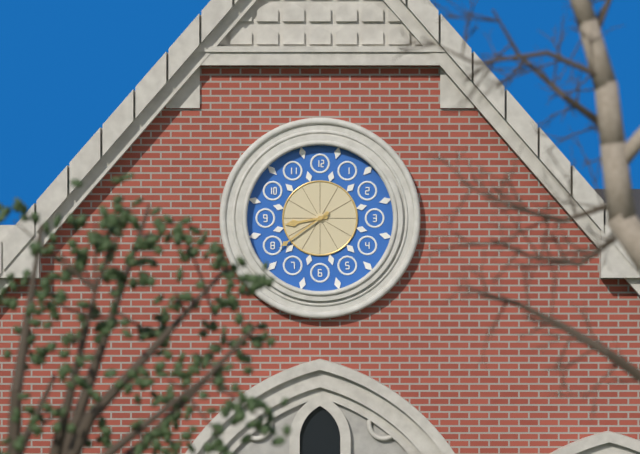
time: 8:39
